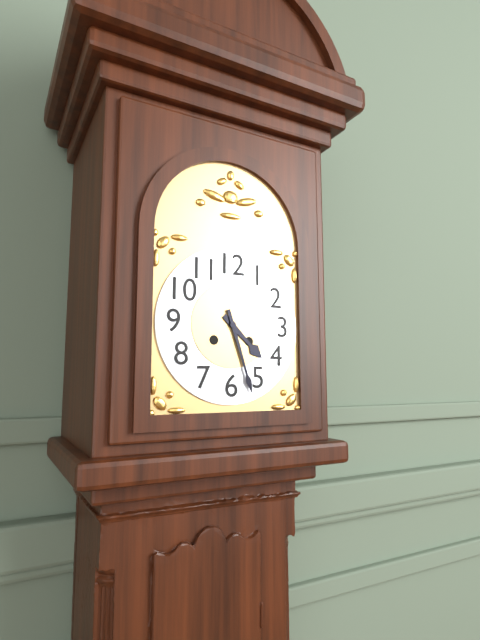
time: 4:27
